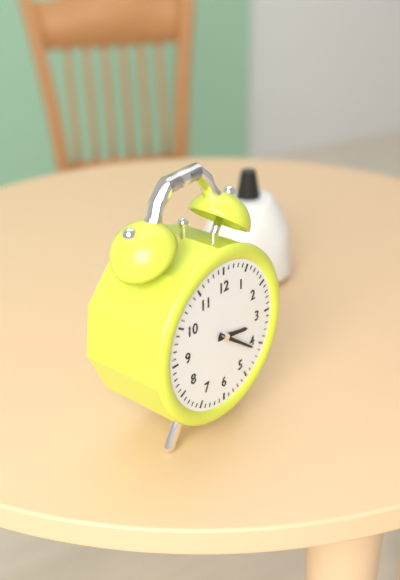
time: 3:21
